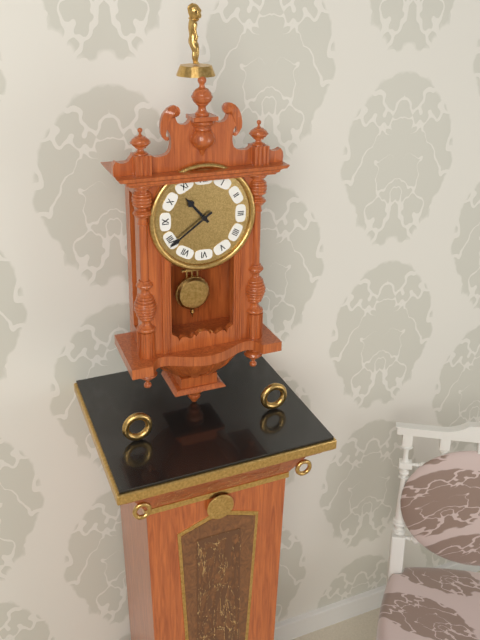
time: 10:39
